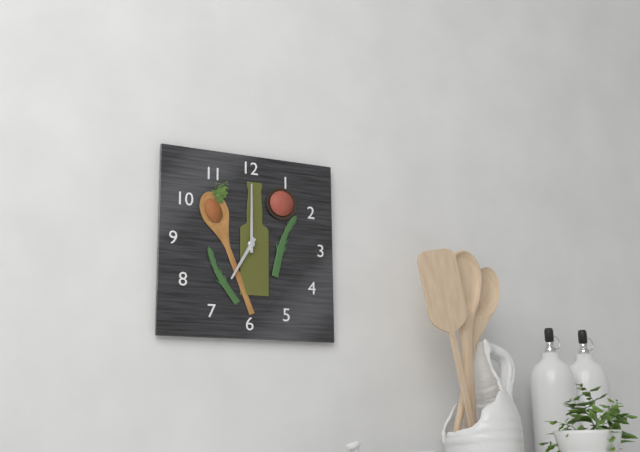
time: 7:00
